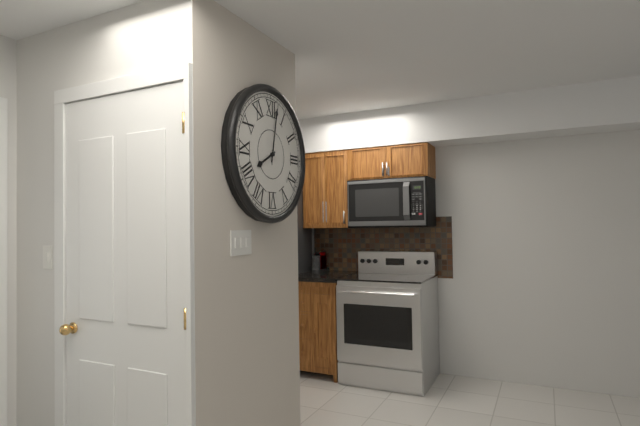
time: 8:02:02
